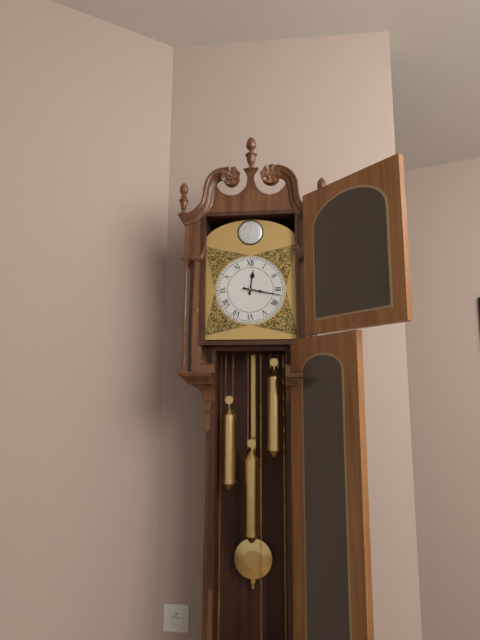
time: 12:17
